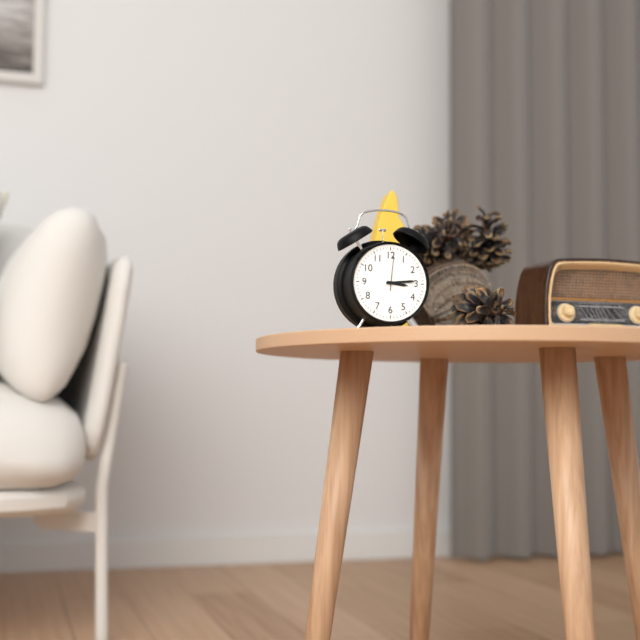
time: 3:14
